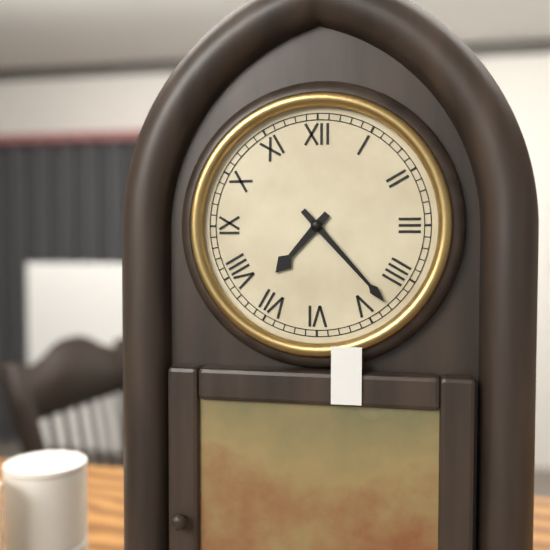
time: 7:23
